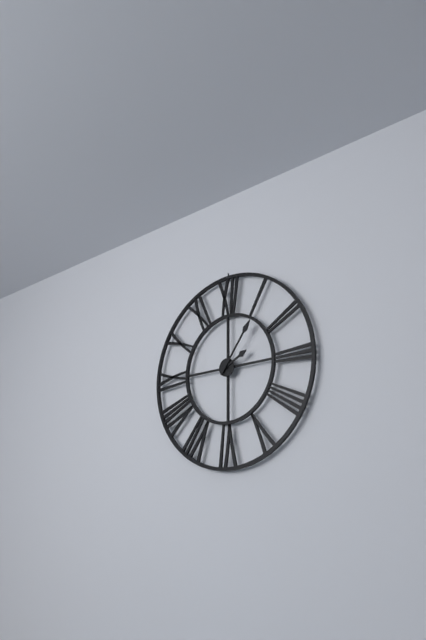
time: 2:06
